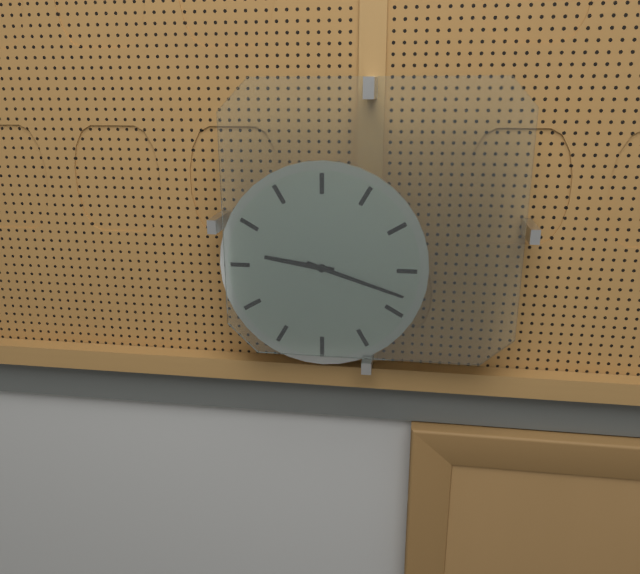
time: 9:18
